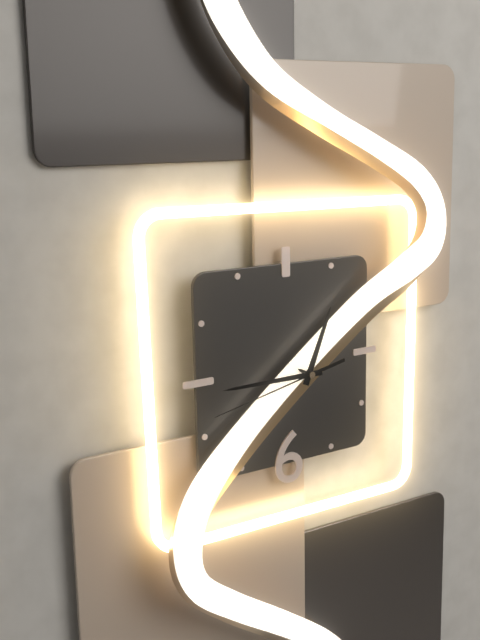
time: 12:45:43
